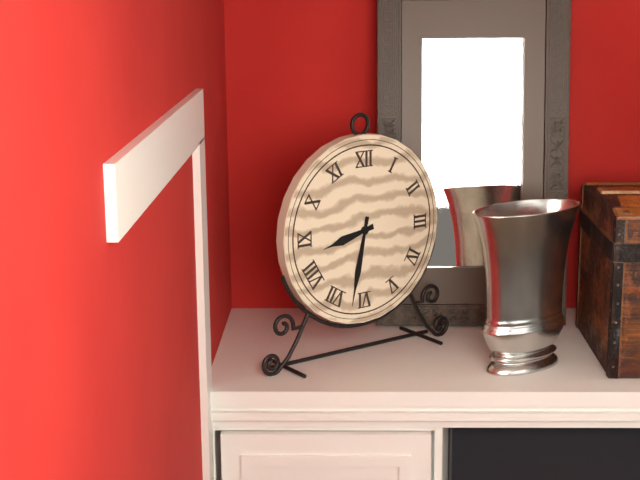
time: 8:32
